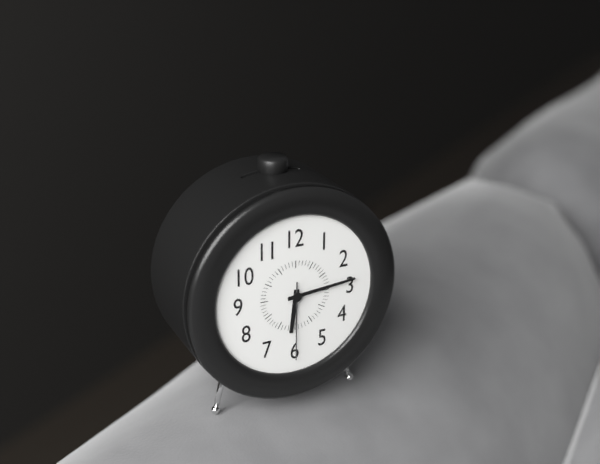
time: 6:14:30
